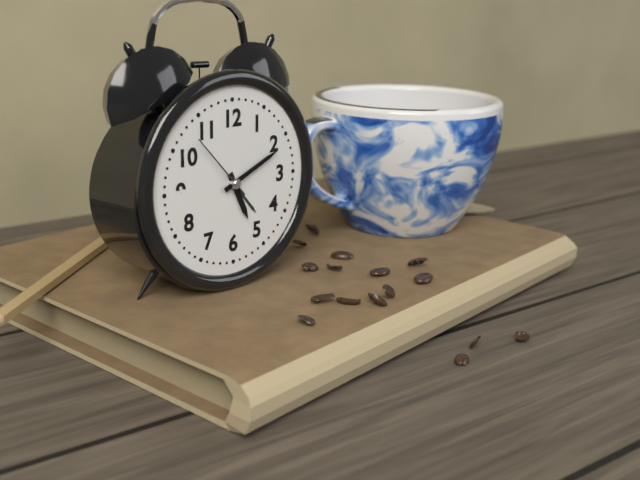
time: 5:11:53
